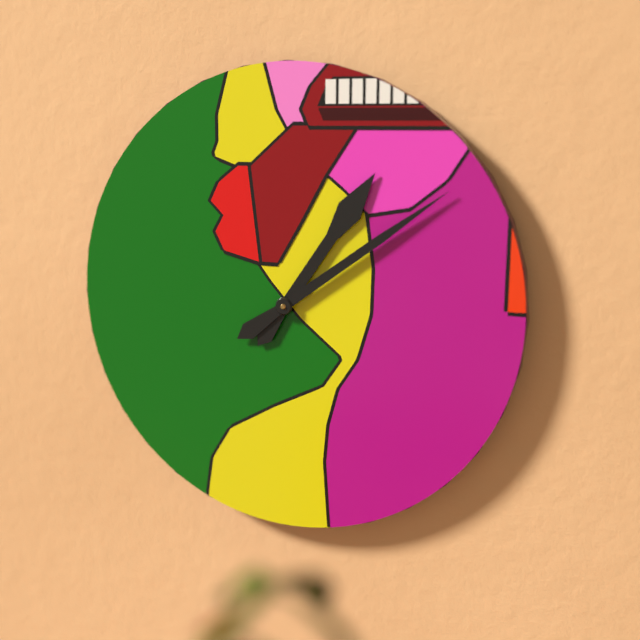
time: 1:09
